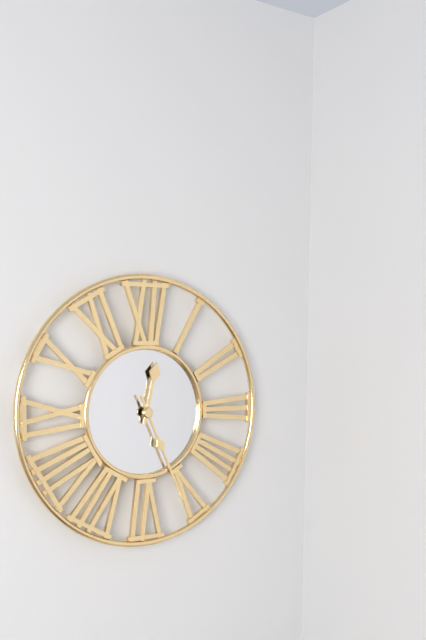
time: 12:26
